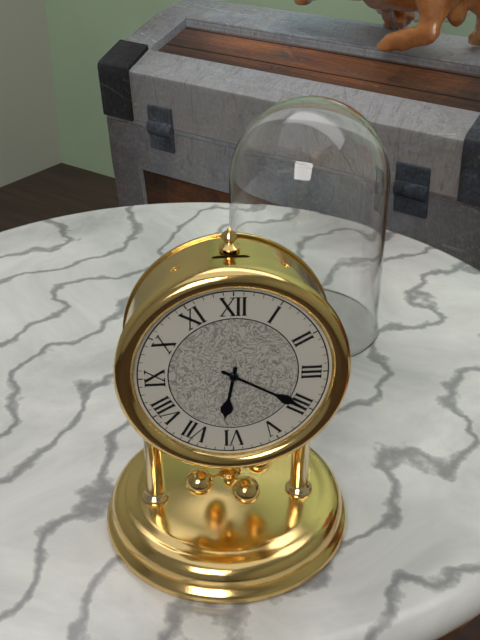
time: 6:20
